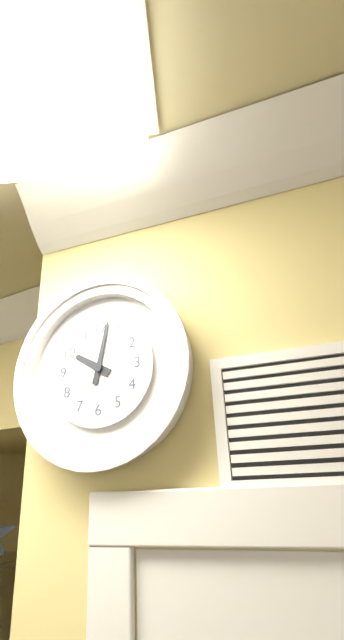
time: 10:02
